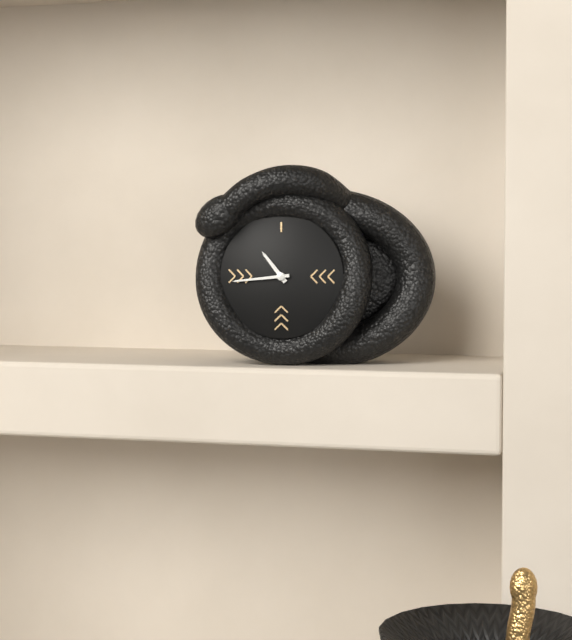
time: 10:44
